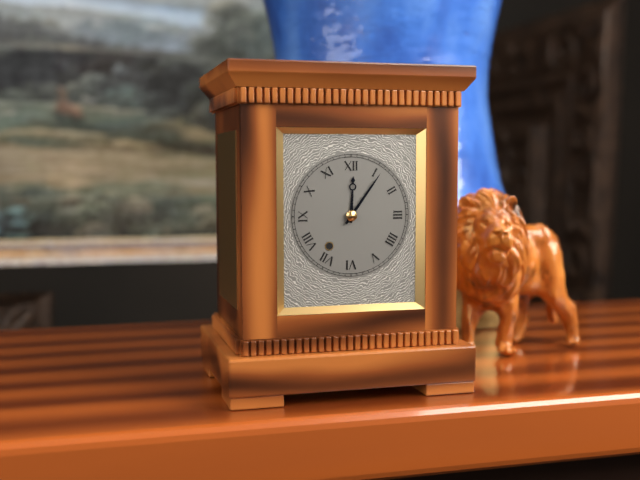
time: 12:06
